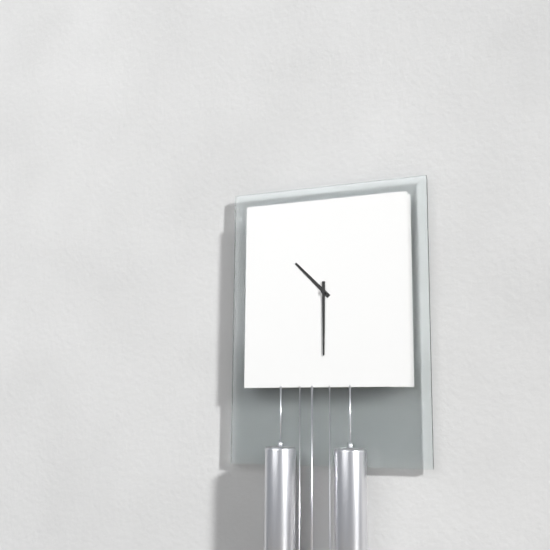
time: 10:30
